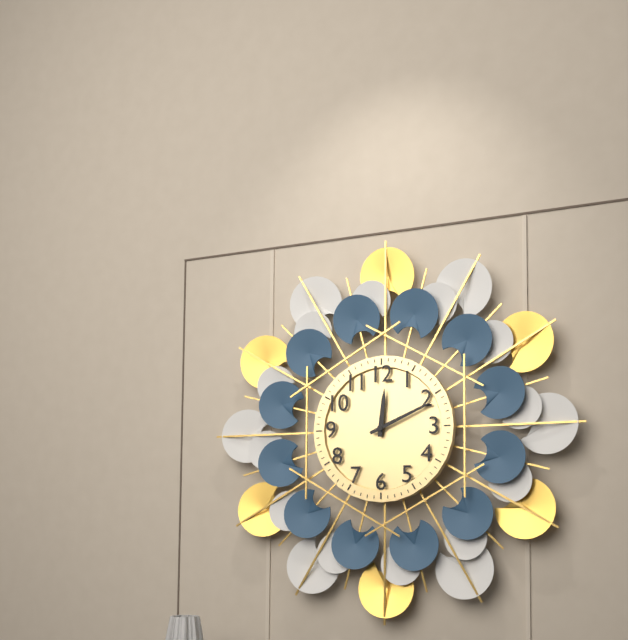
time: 12:11
